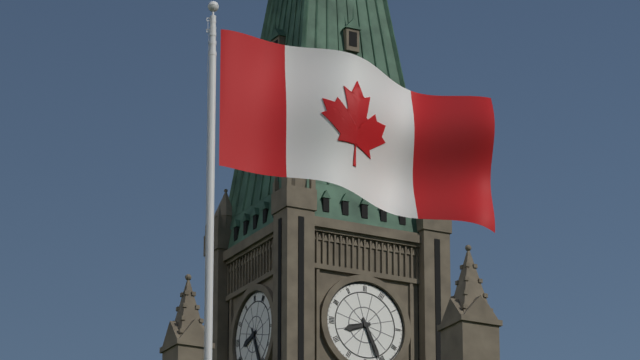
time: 8:26
